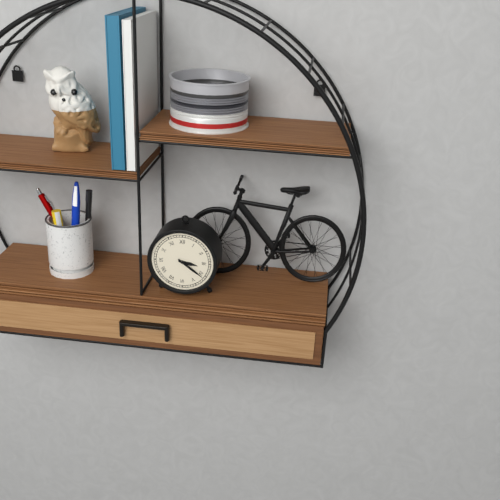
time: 3:21
